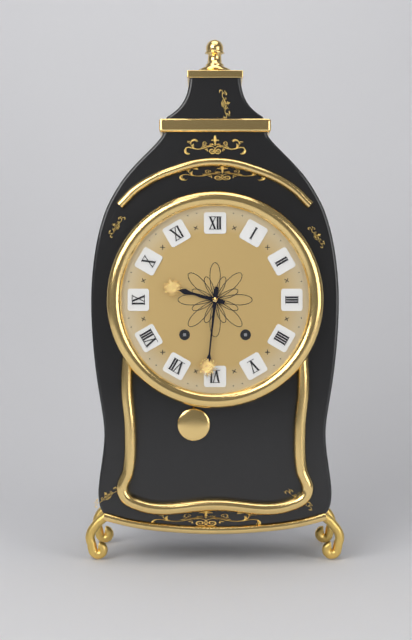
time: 9:31
